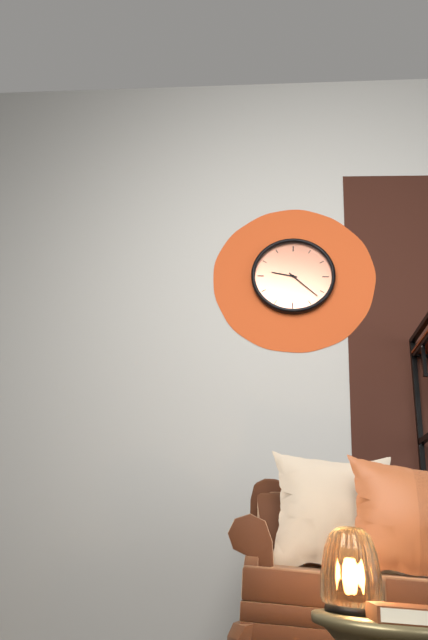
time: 9:22
